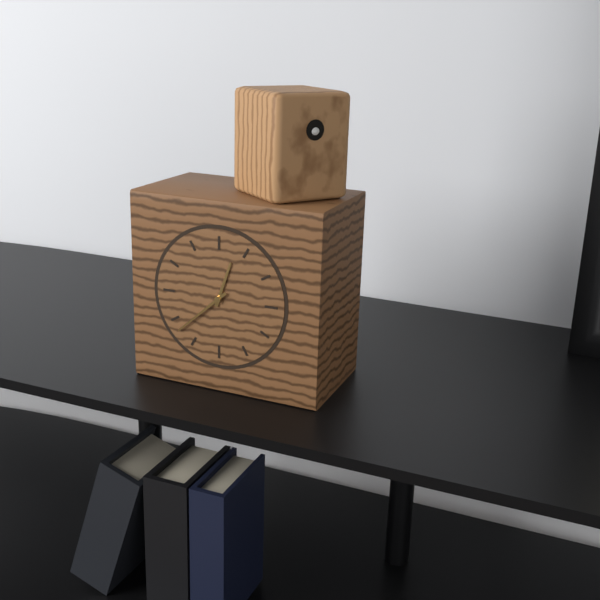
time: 12:38
